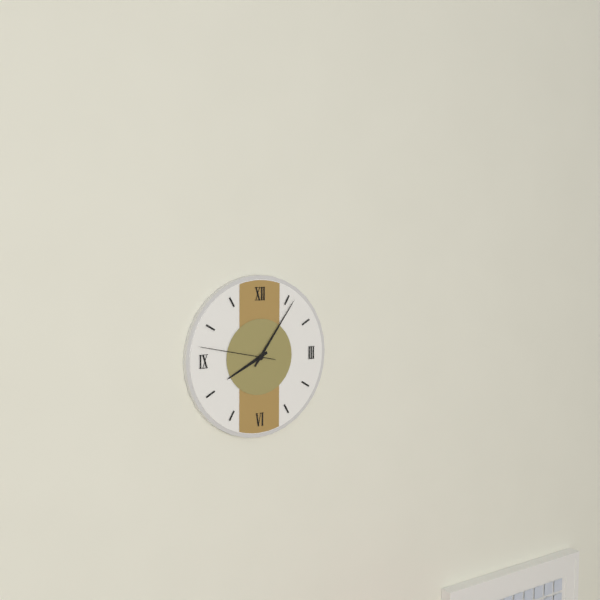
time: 8:06:47
